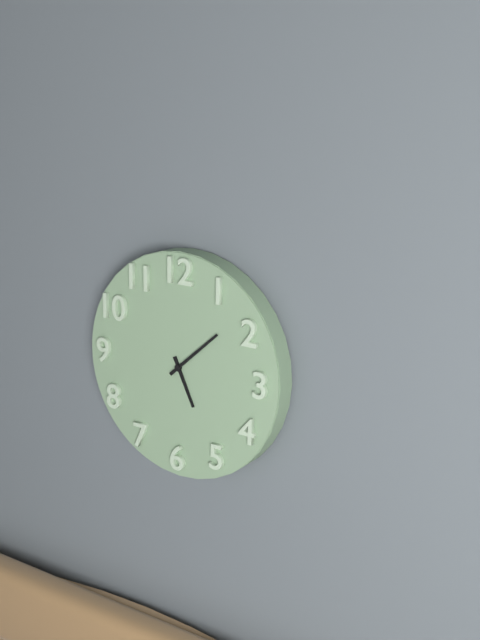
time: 5:08
